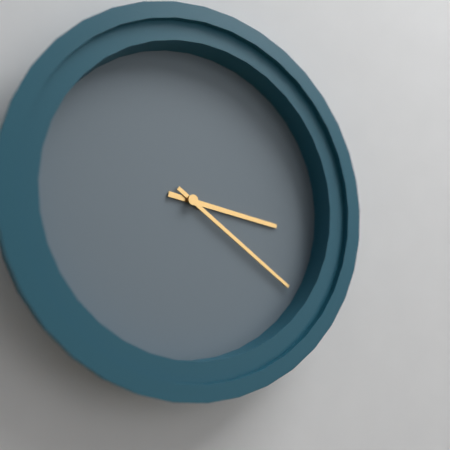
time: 3:21
